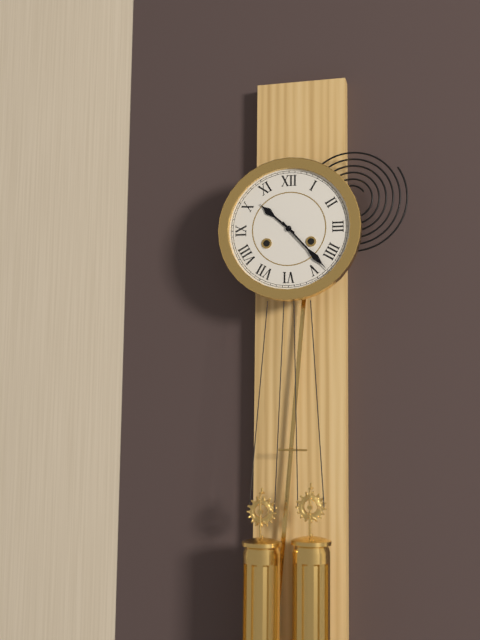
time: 10:23
